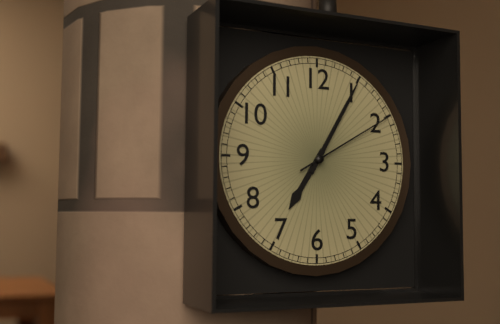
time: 7:05:10
